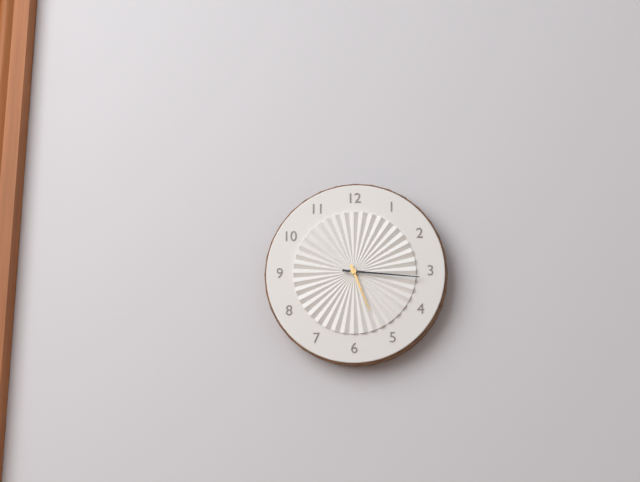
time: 5:16
